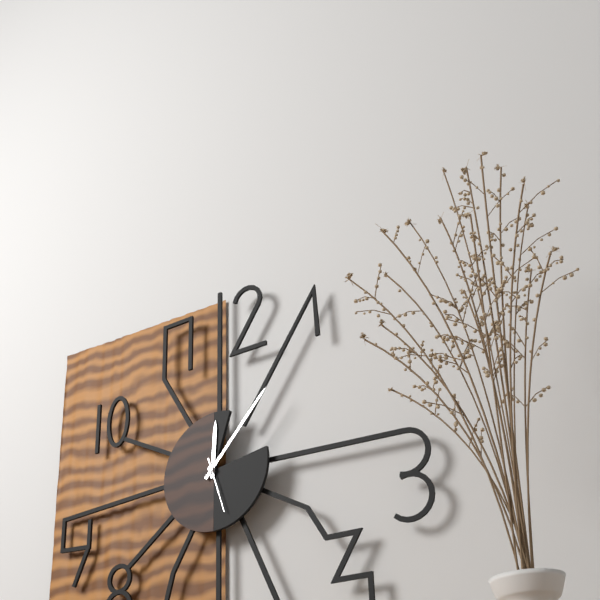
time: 12:07
